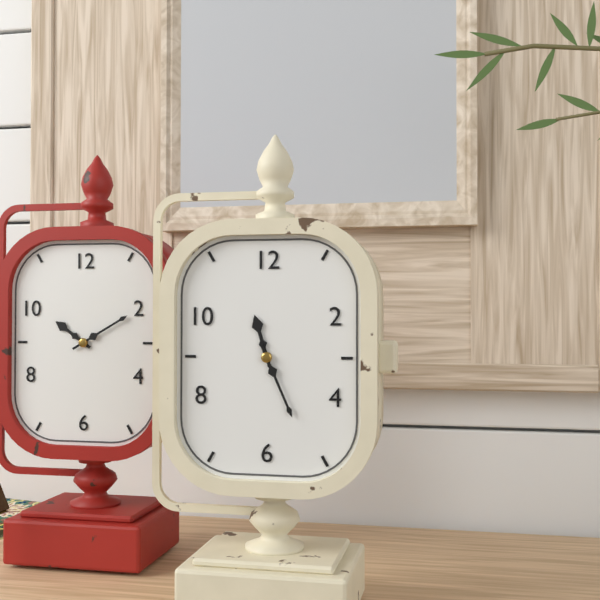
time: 11:26
